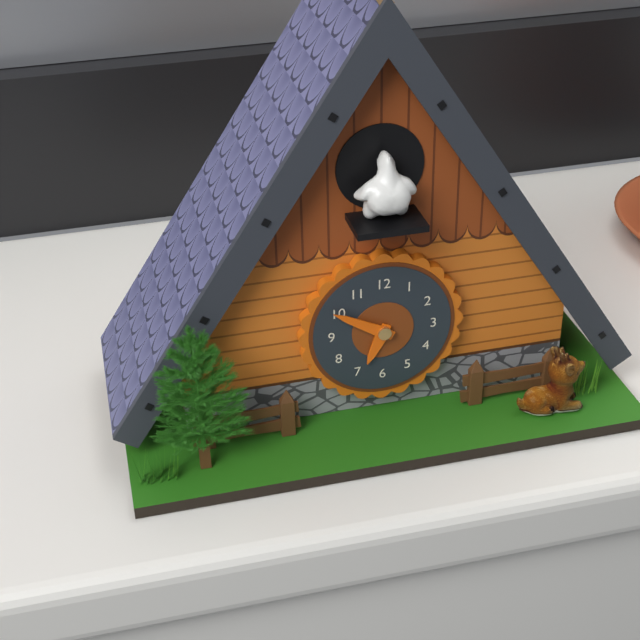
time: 6:50
